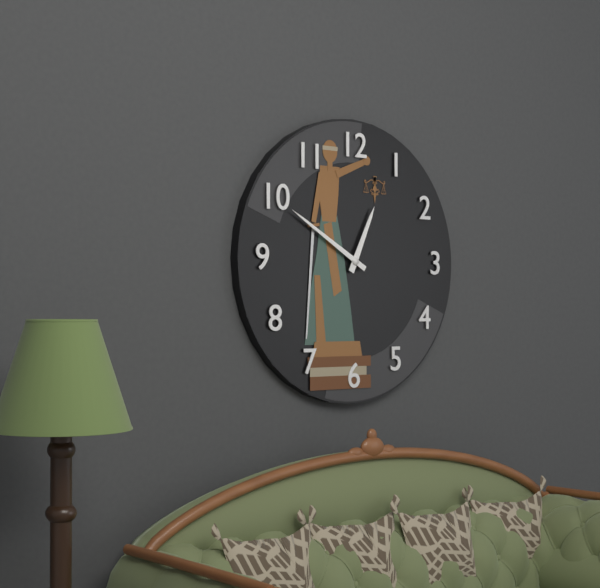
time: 12:50
